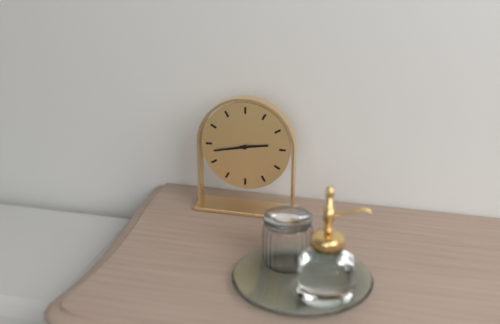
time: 2:43
